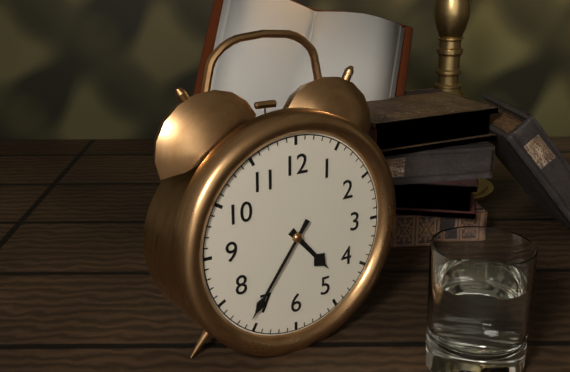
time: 4:36
